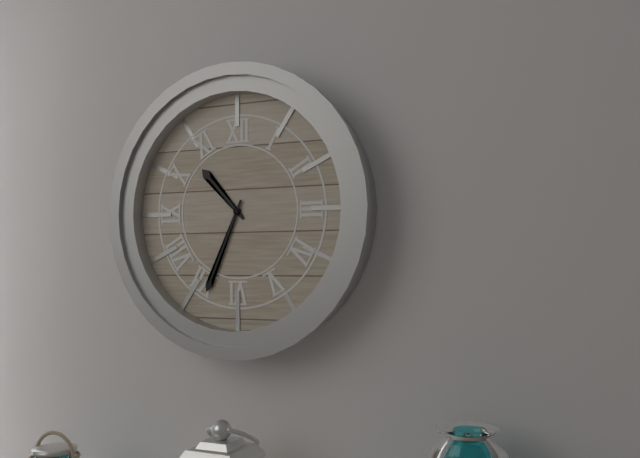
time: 10:34
